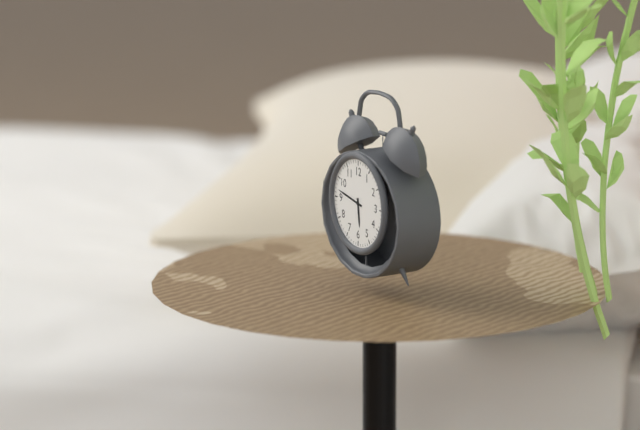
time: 5:47
